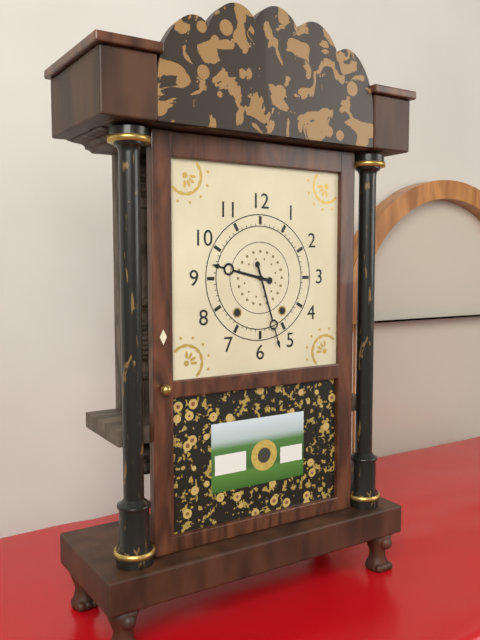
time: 9:27
